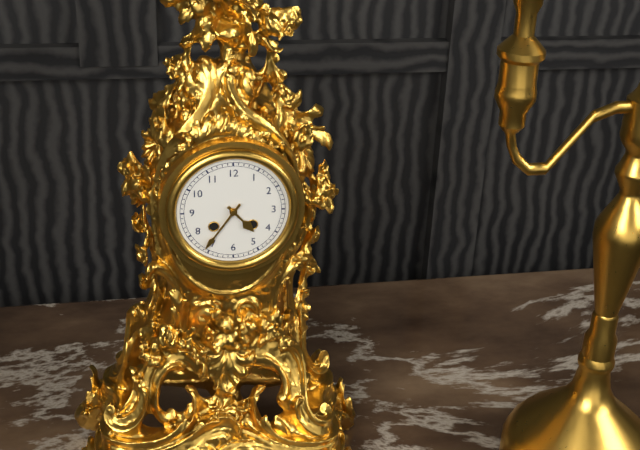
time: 4:36
